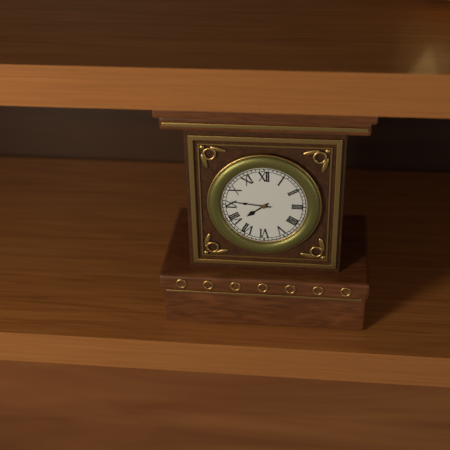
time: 7:46
